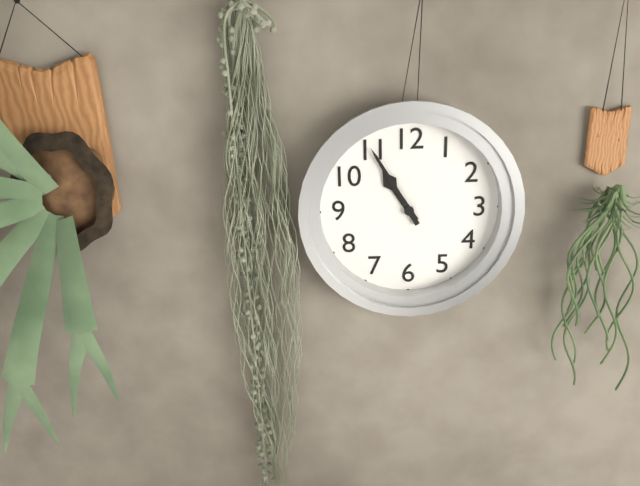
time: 10:55
